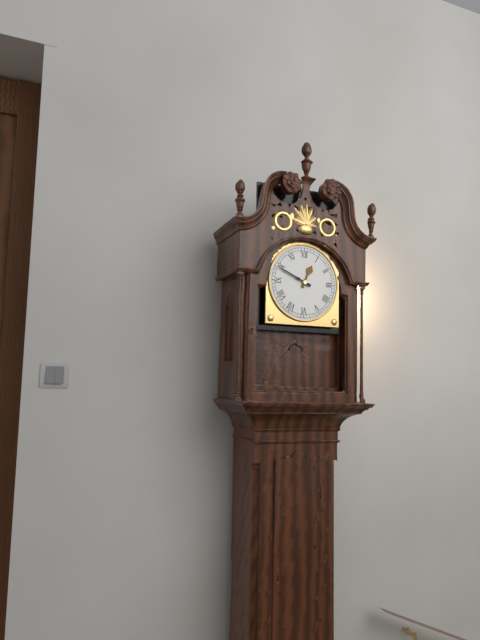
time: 12:49
